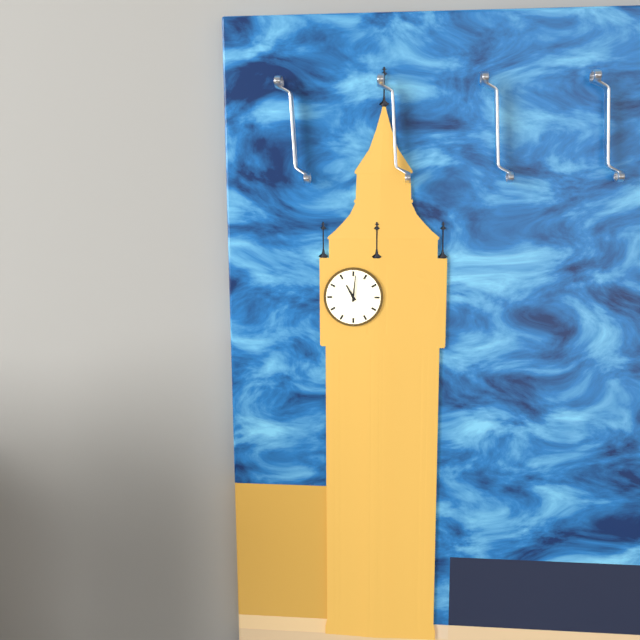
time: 11:01
